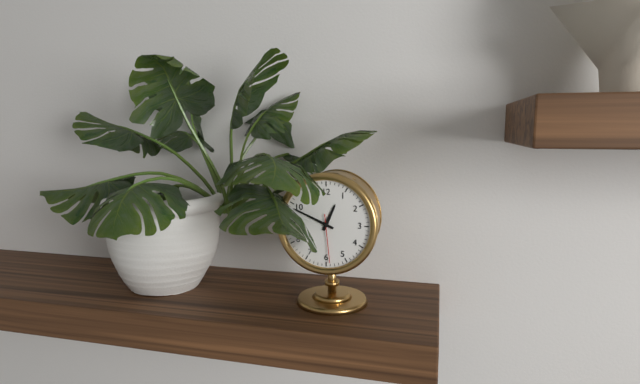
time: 12:49
